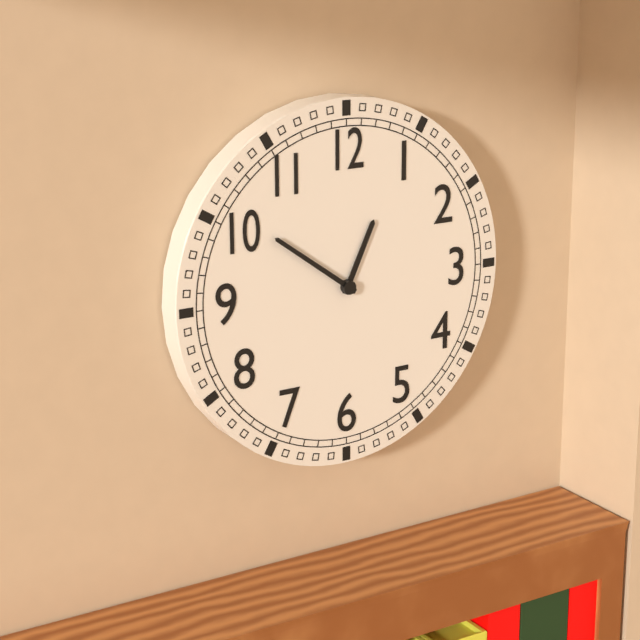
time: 12:51
